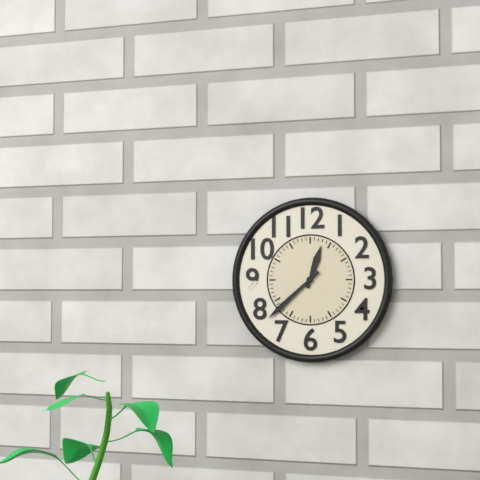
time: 12:38
